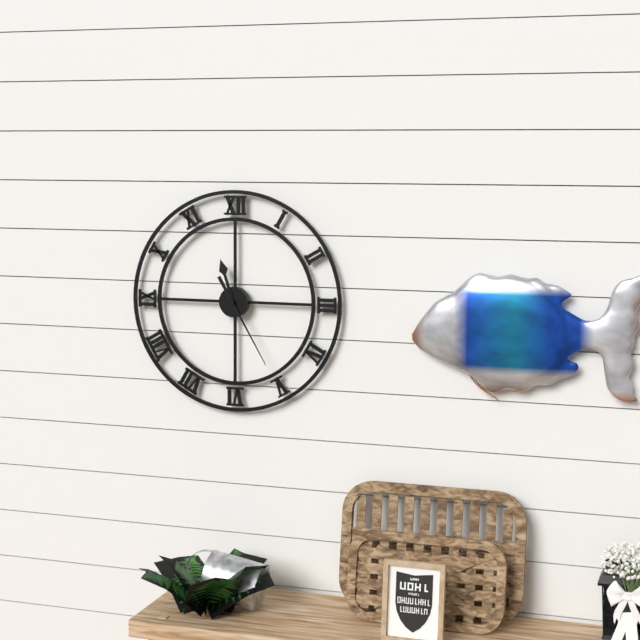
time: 11:25
